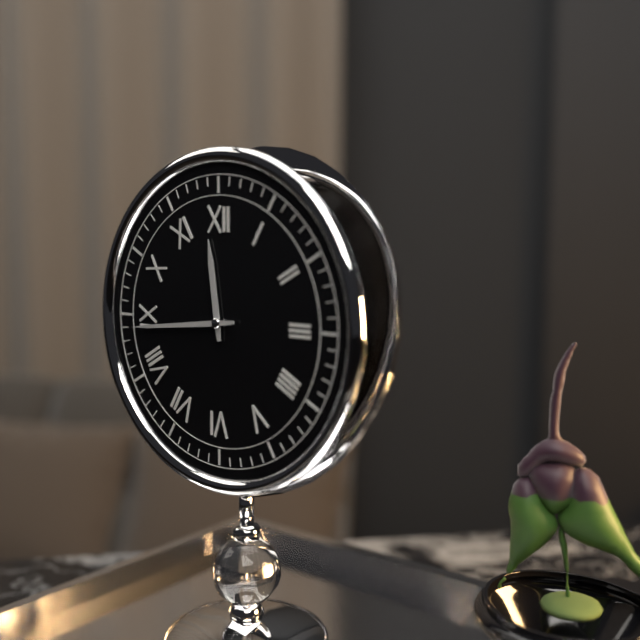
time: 11:44
